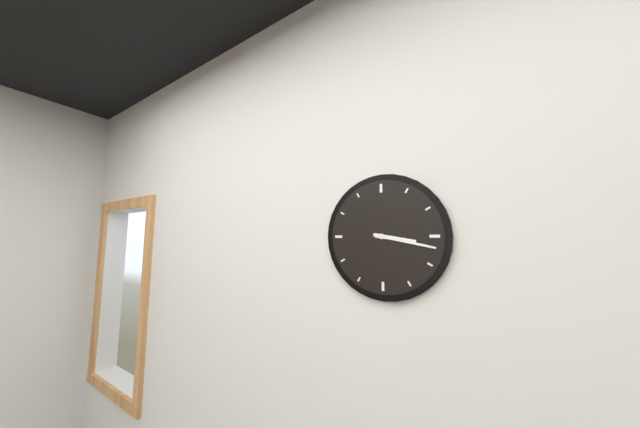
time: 3:17
